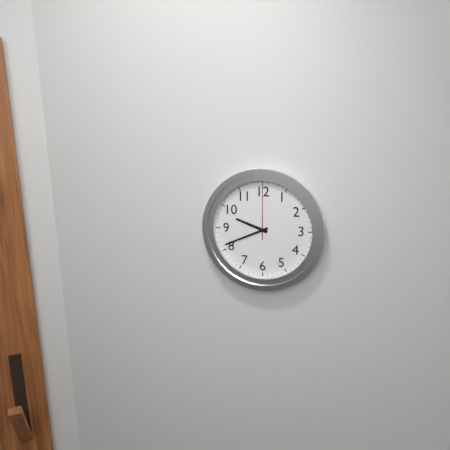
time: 9:41:00
